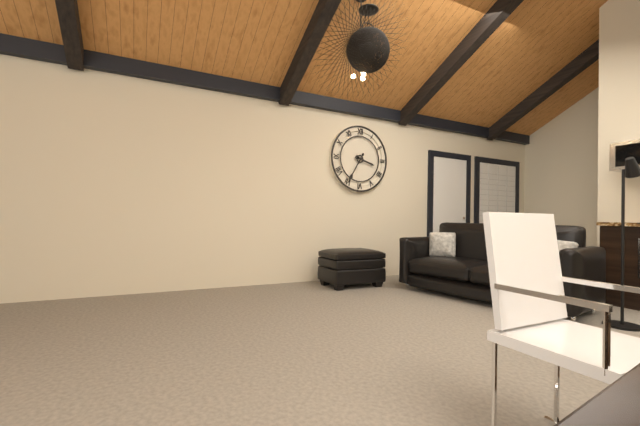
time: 3:35
